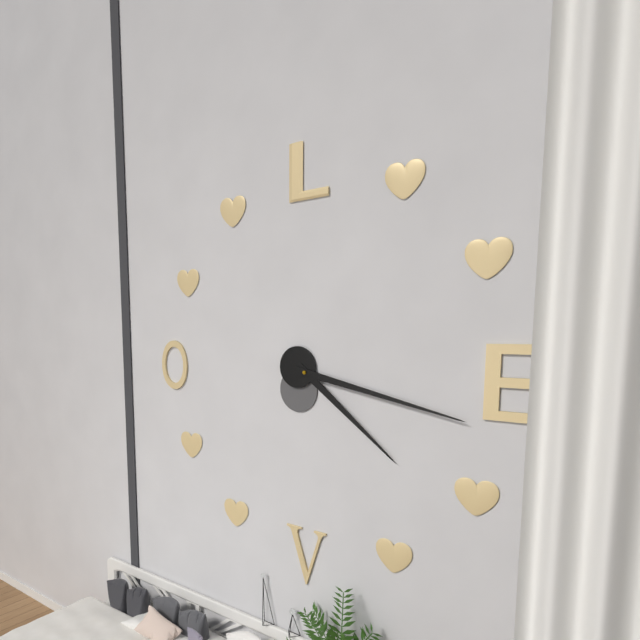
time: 4:17
